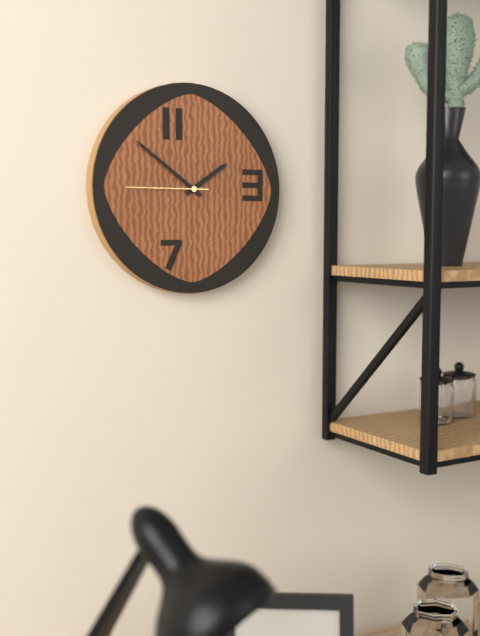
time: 1:51:45
